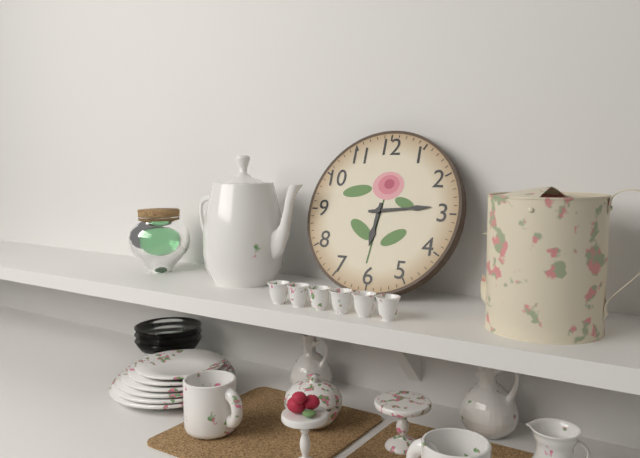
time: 6:14
